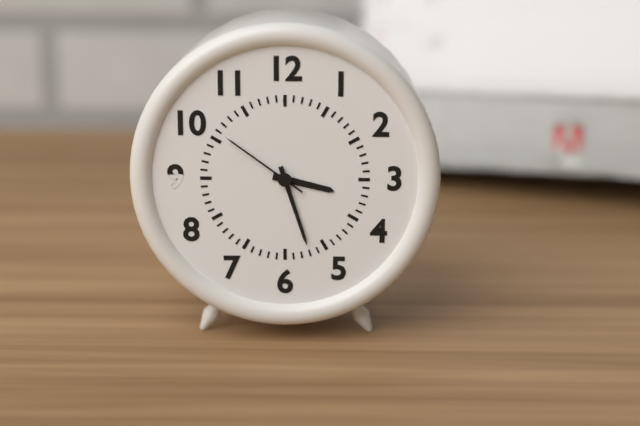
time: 3:27:51
